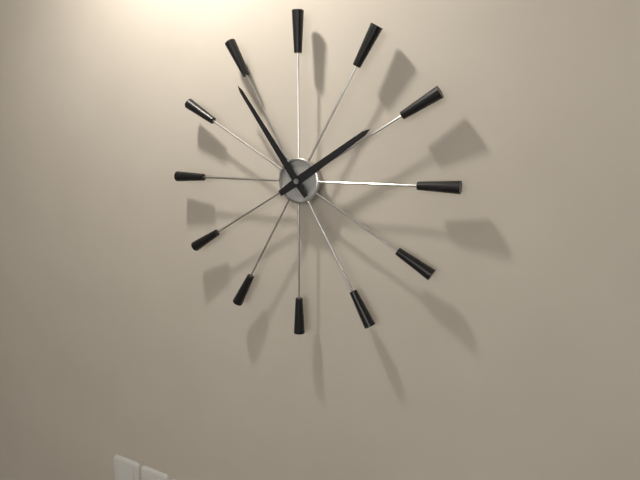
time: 1:54
